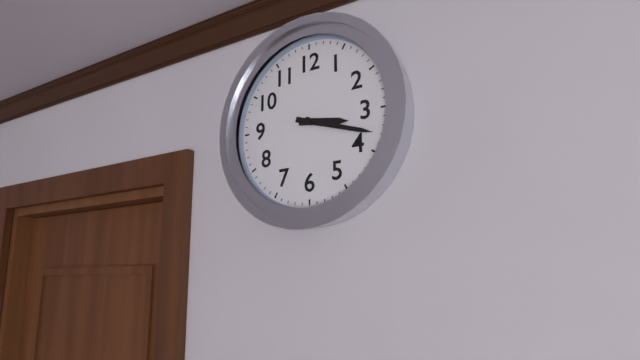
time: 3:18
